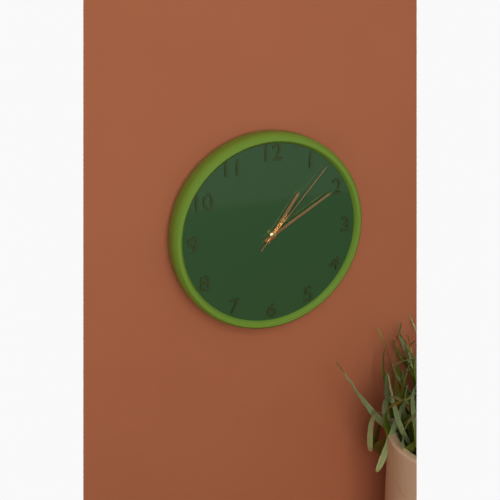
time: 1:10:07
